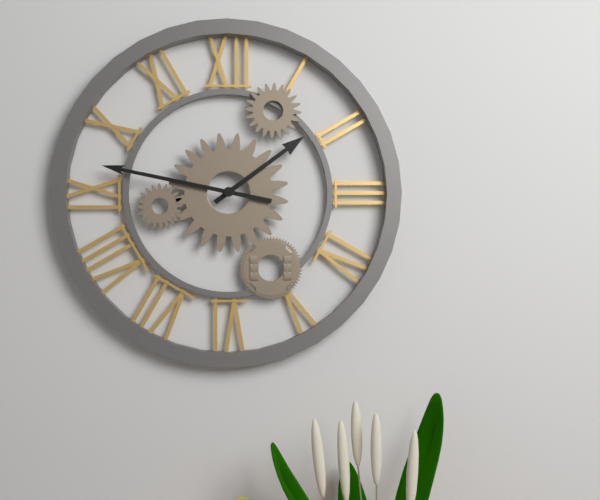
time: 1:47
